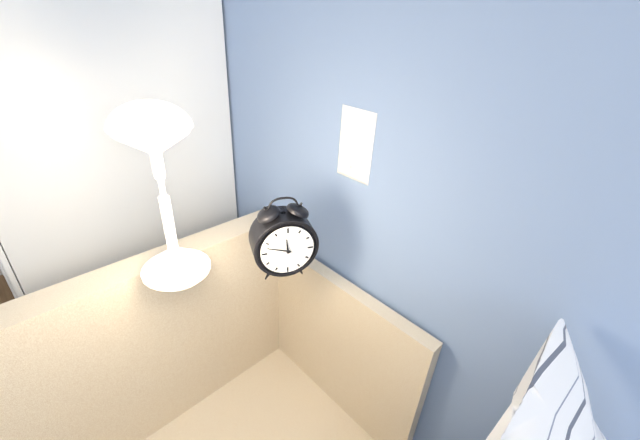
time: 11:48
